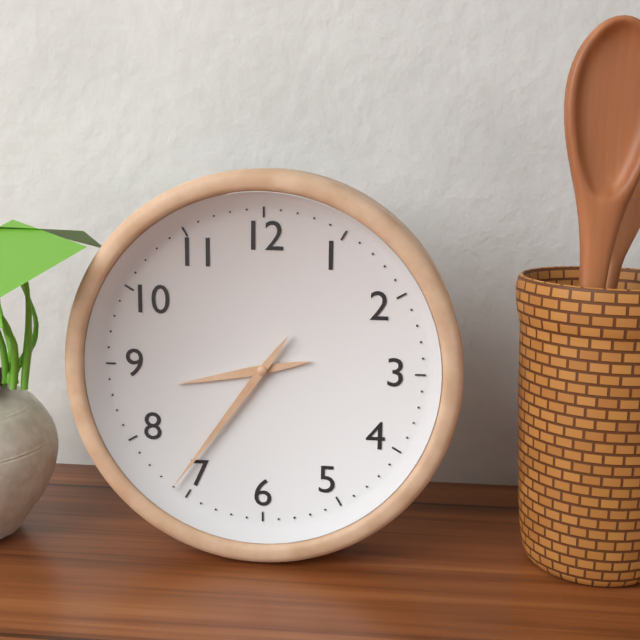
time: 8:36
